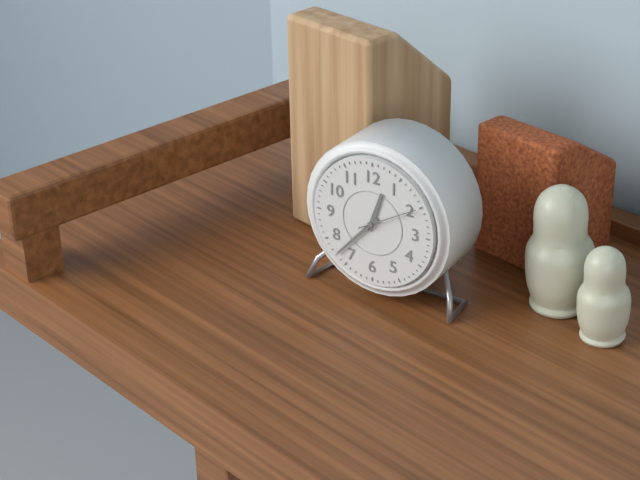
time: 12:37:10
